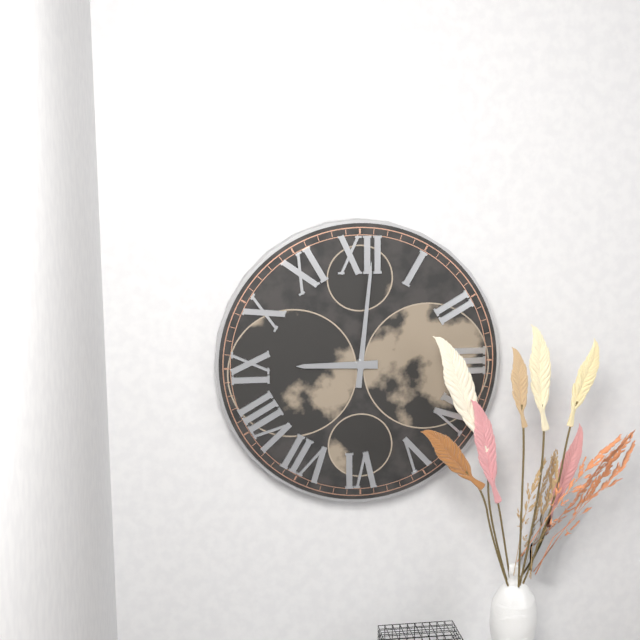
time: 9:01
